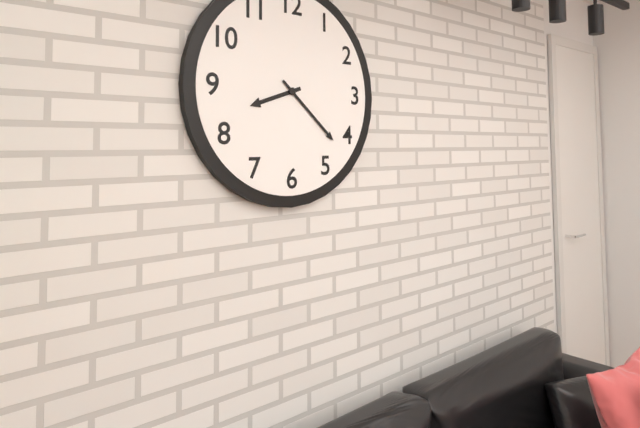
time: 8:22
